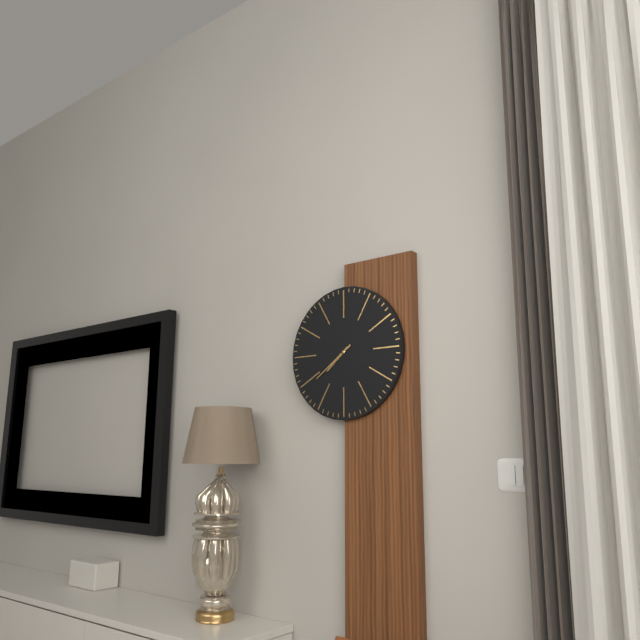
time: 7:39
